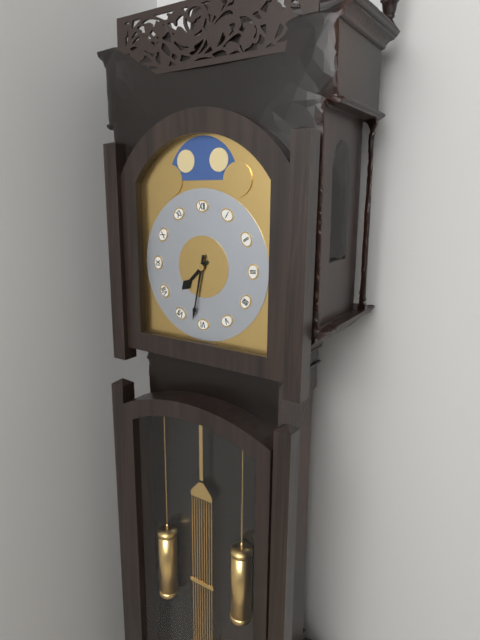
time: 7:32
